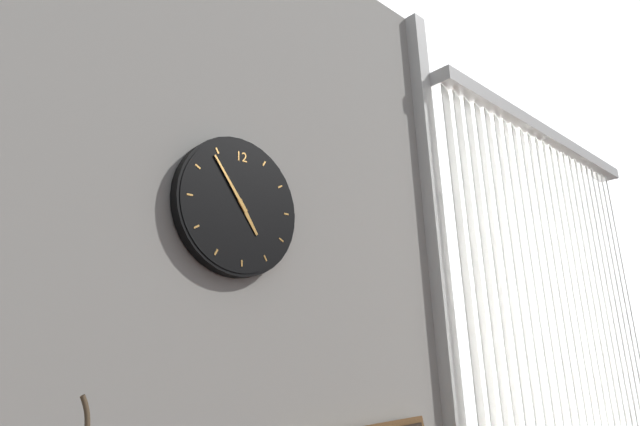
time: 4:54
